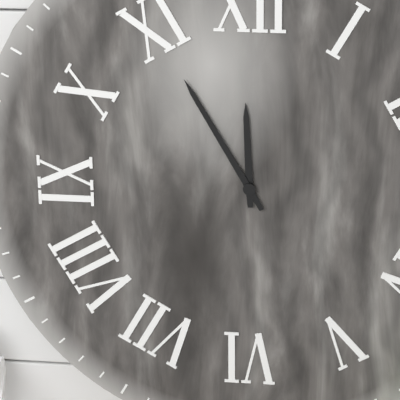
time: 11:55
